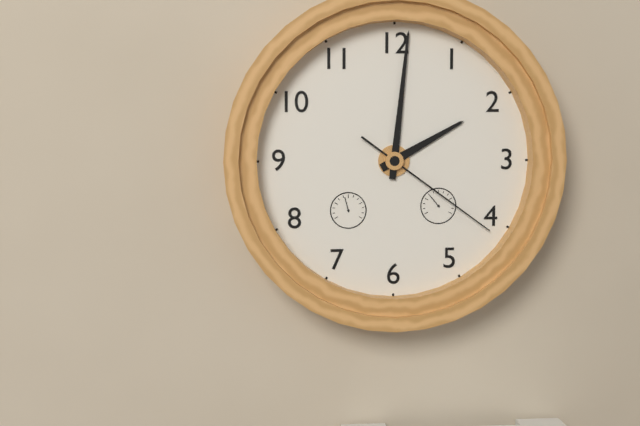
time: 2:01:21
